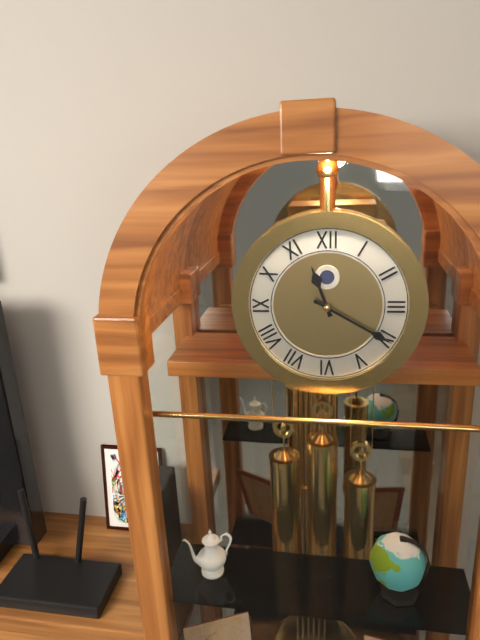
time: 11:20
